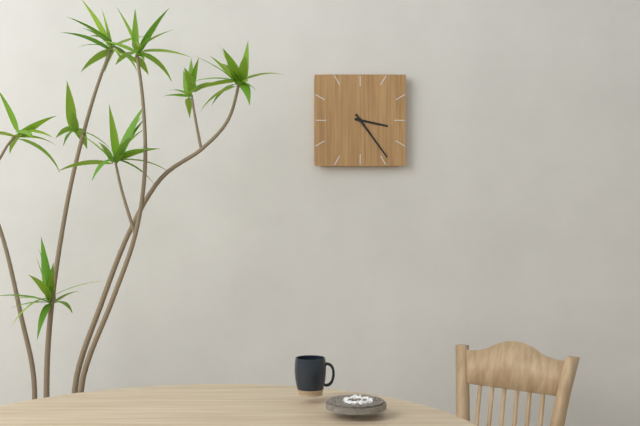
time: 3:24
